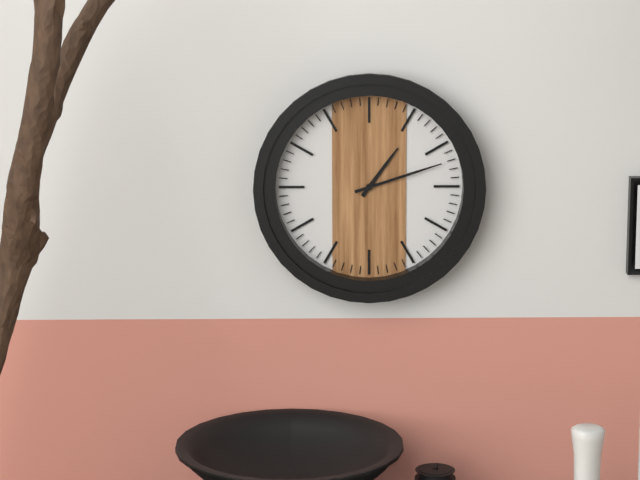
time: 1:12
